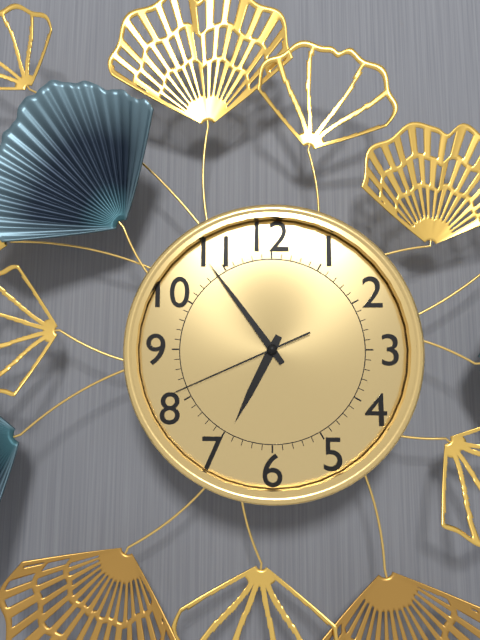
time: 6:54:41
